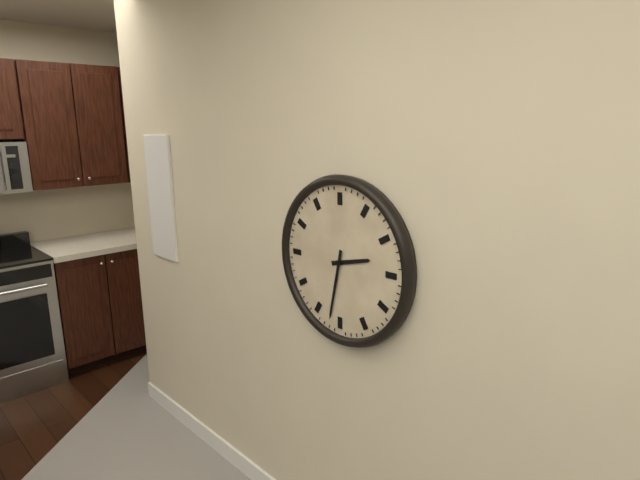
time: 2:32
